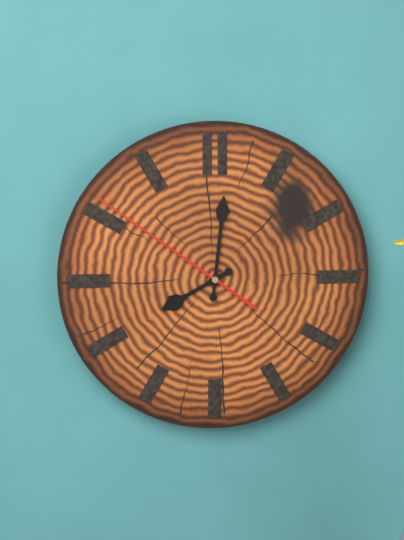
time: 8:01:51
